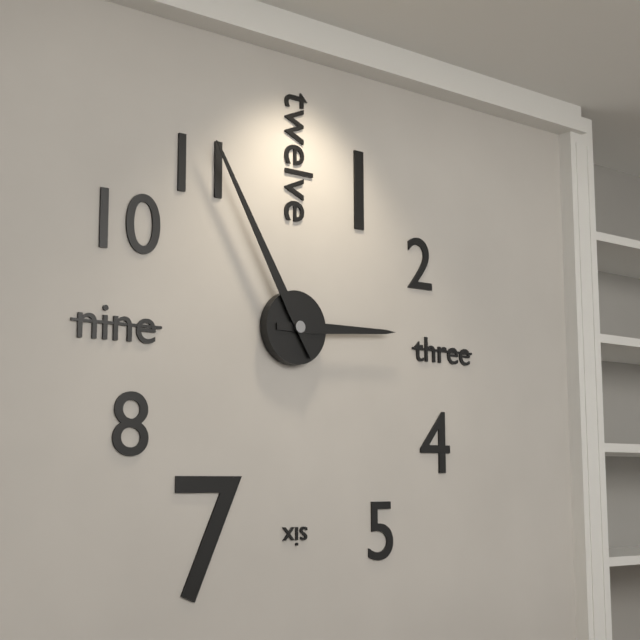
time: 2:55
